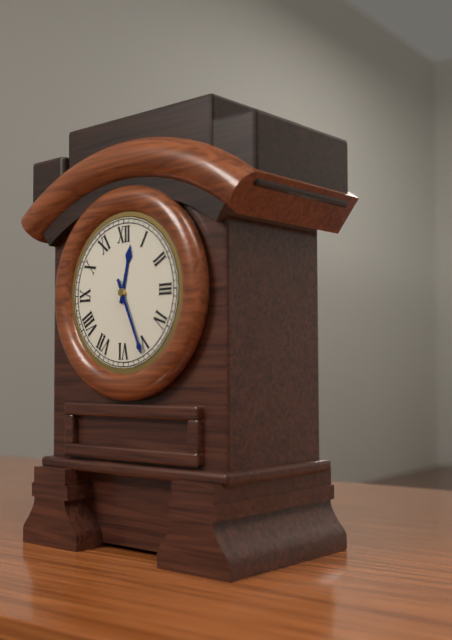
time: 12:26
